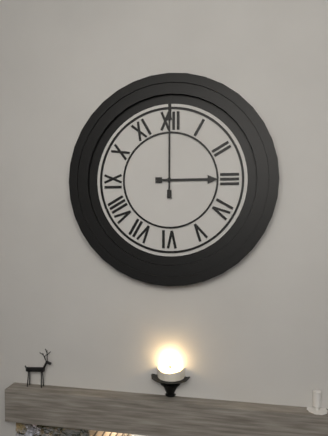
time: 3:00
